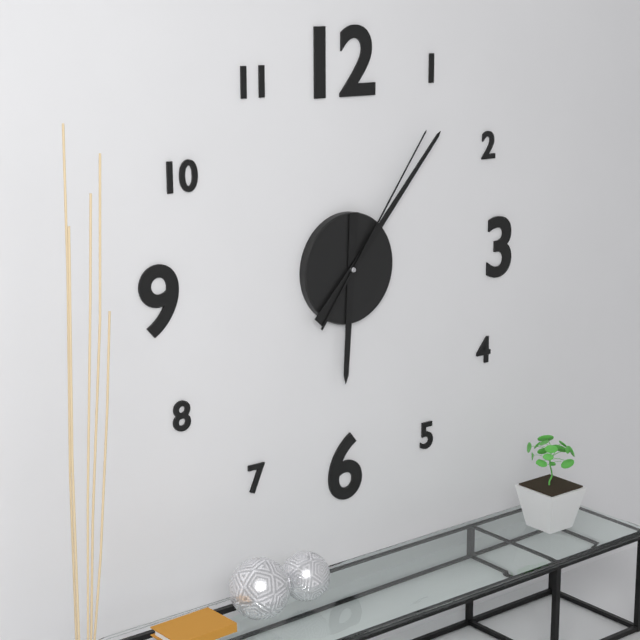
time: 6:07:06
